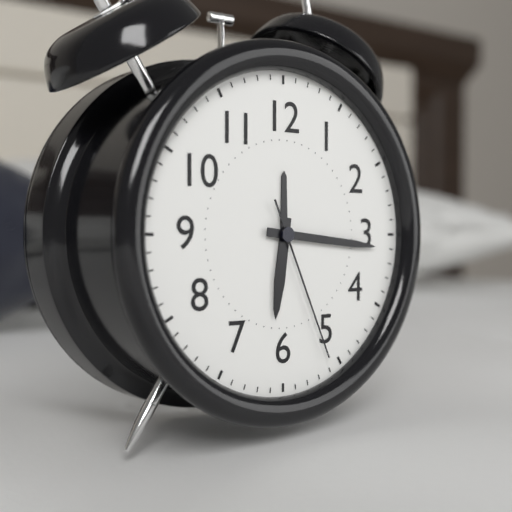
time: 6:16:26
